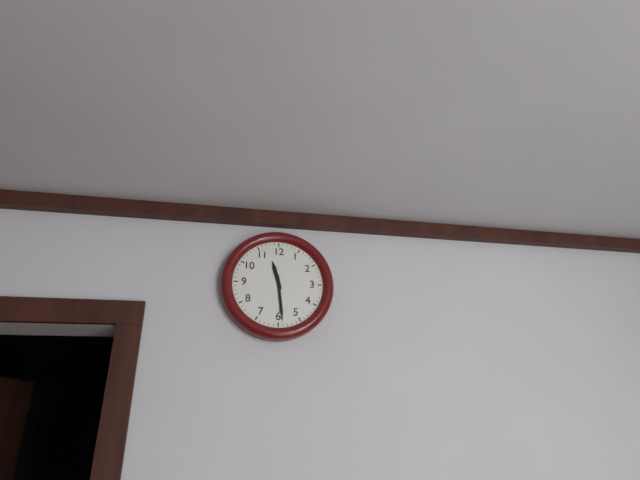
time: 11:29
